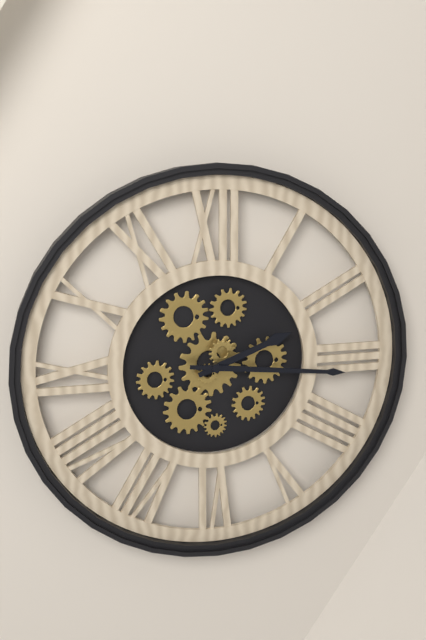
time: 2:16
